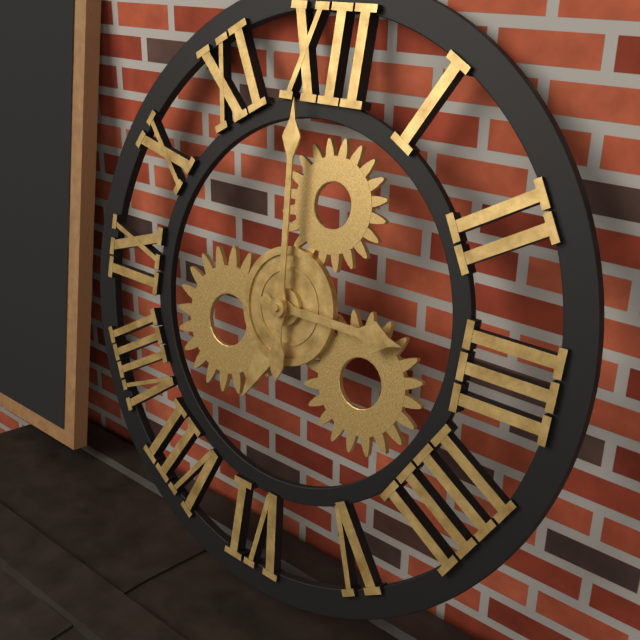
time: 2:59
